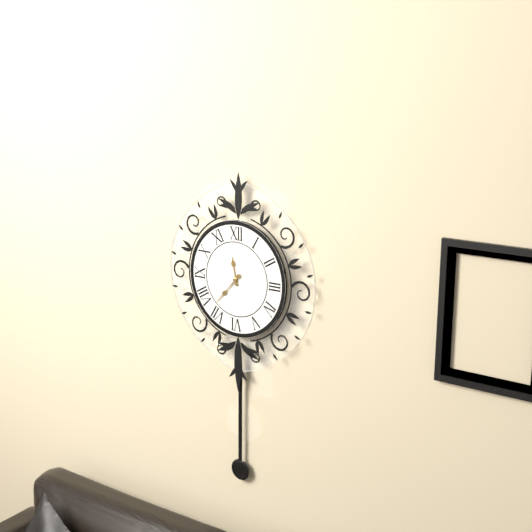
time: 11:37
